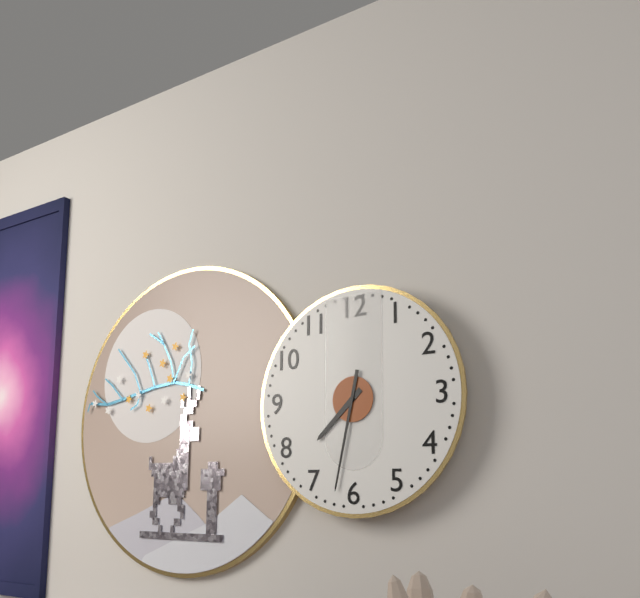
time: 7:32
